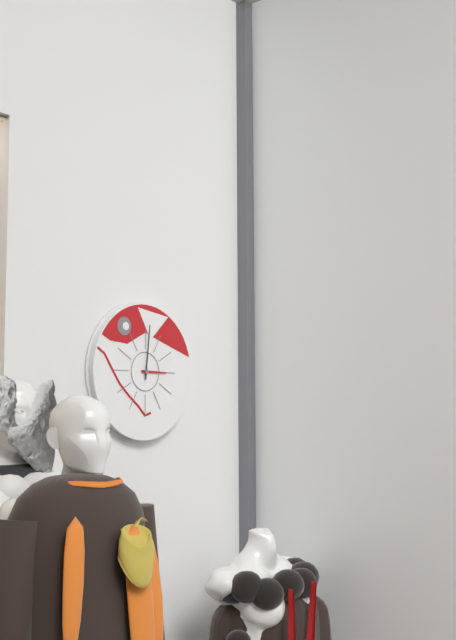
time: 3:01
